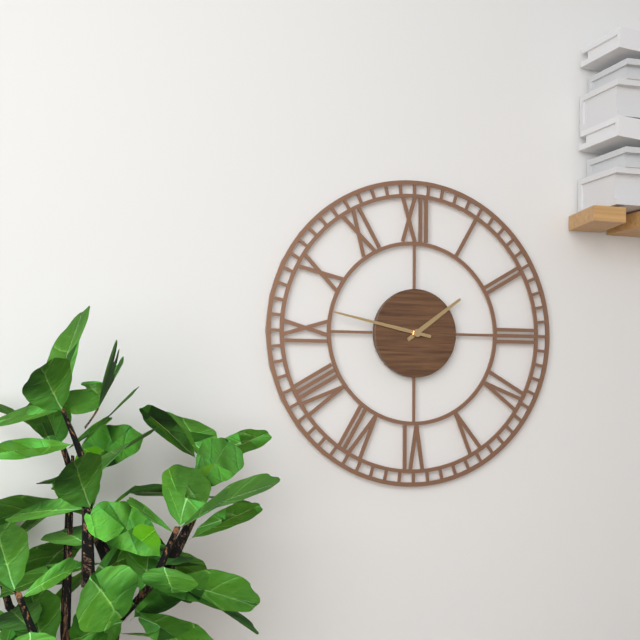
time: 1:47
